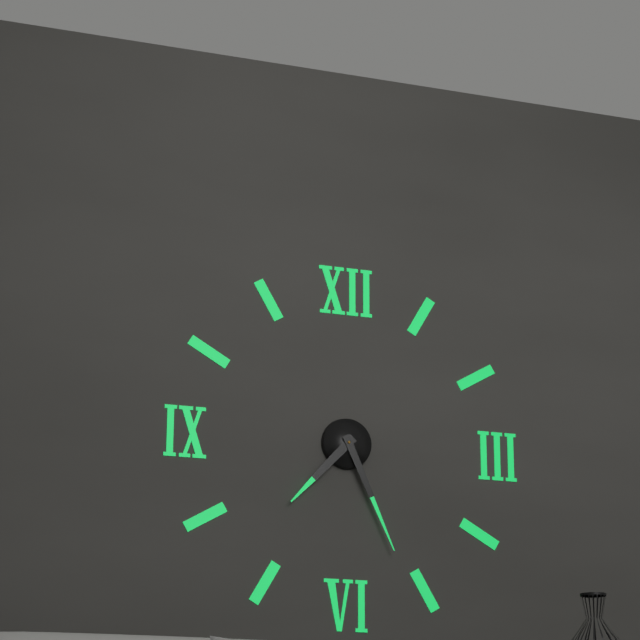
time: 7:26
